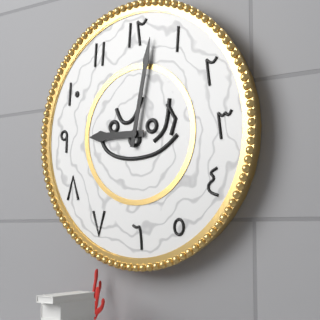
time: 9:02
